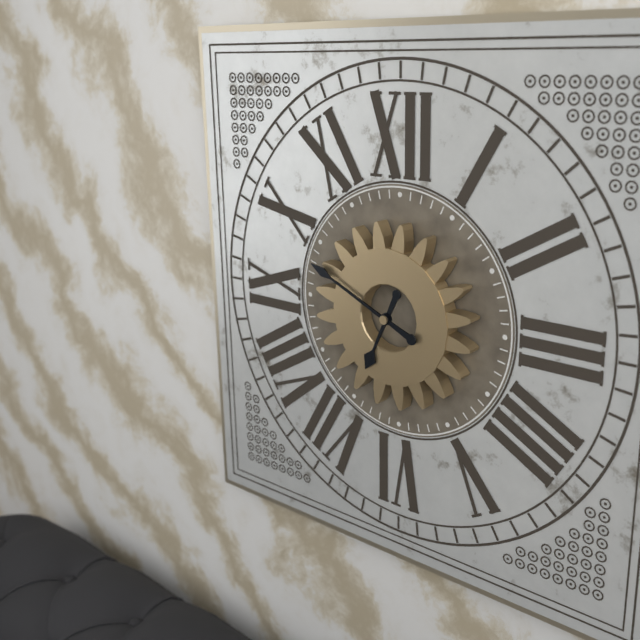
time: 6:49
